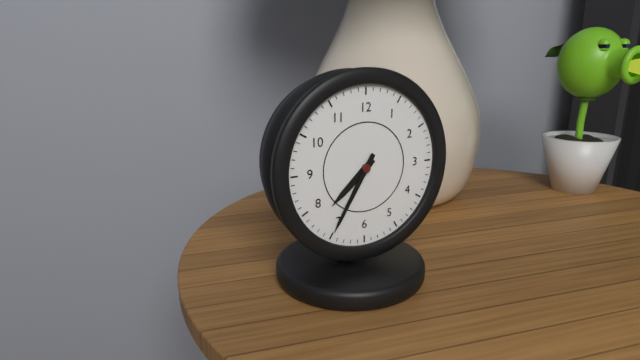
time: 7:35
